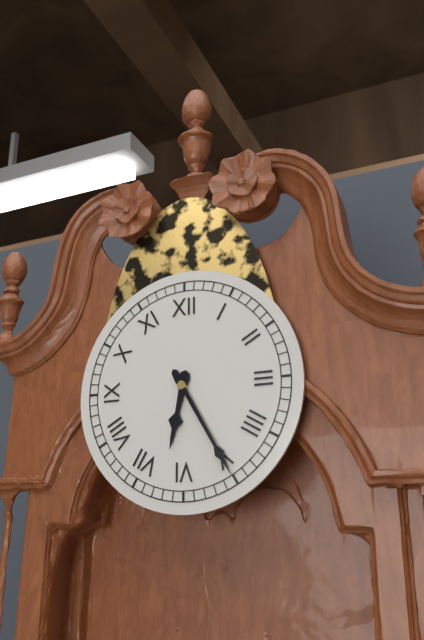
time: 6:25
